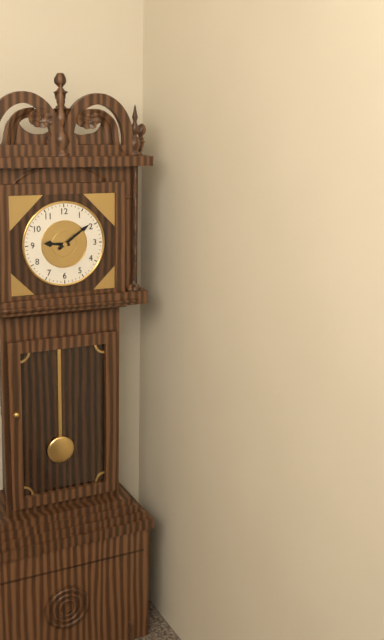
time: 9:09
